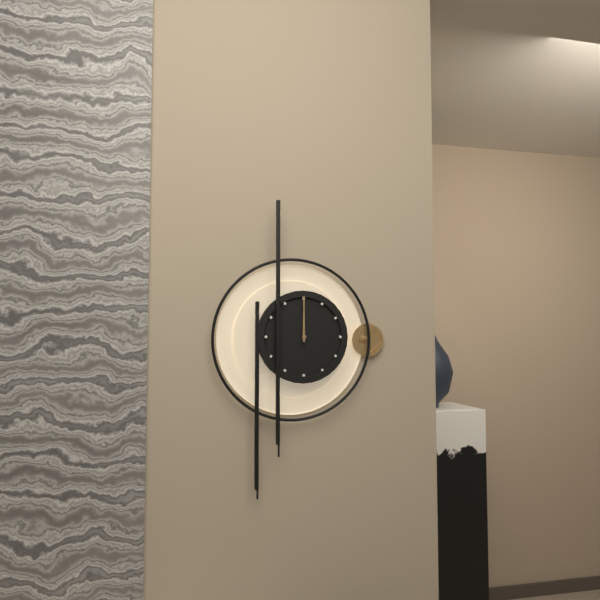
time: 12:00
